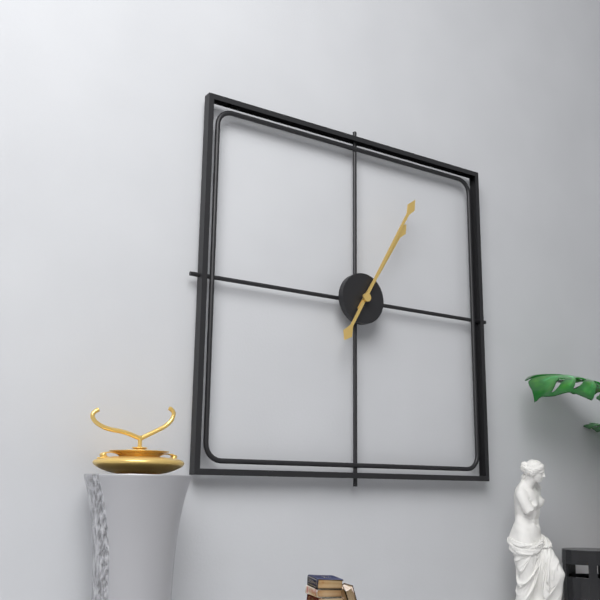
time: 1:05
